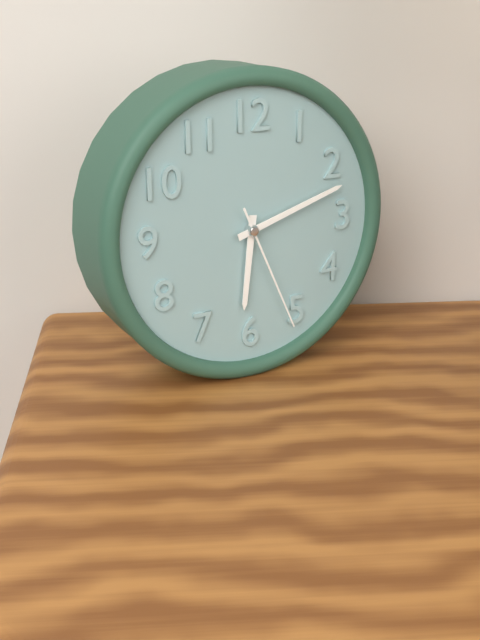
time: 6:12:26
